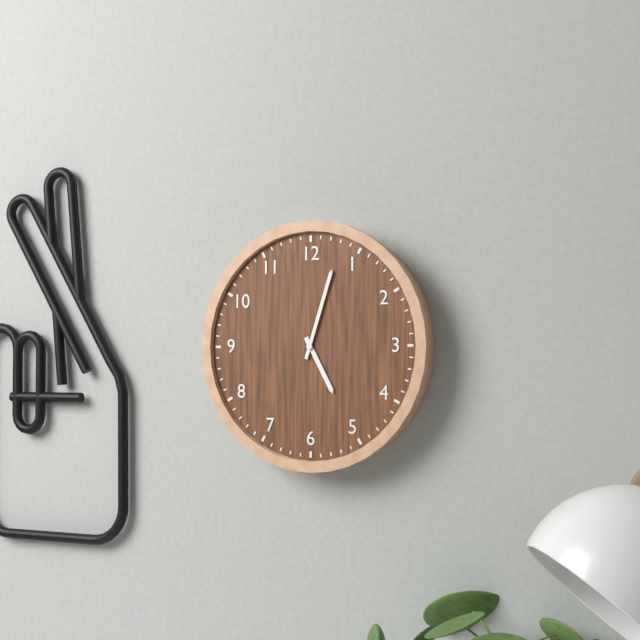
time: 5:03
